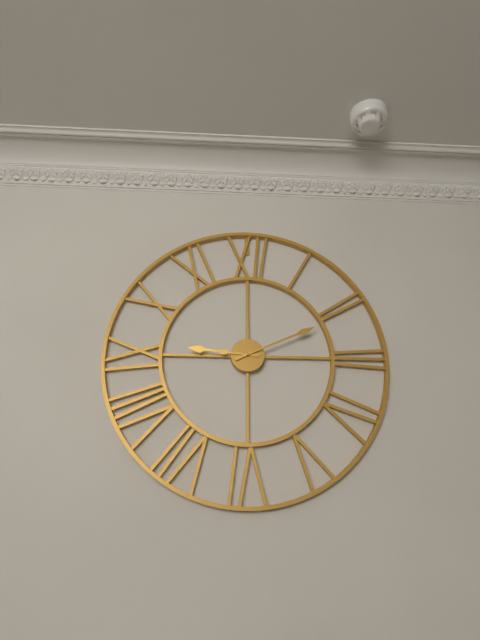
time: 9:11
